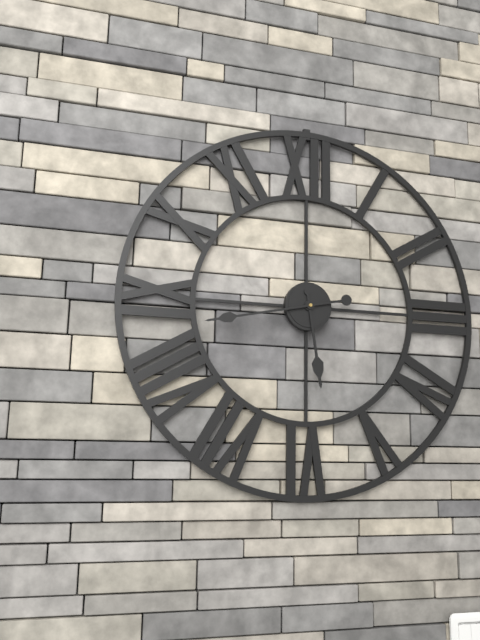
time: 5:43
